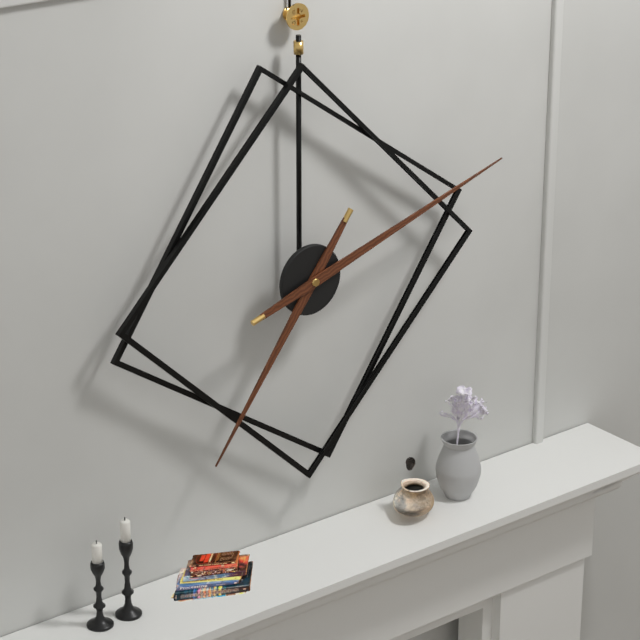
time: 7:12
